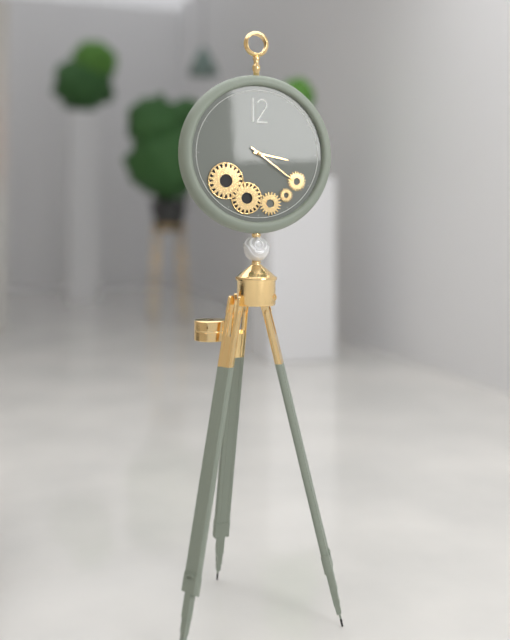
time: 3:21
